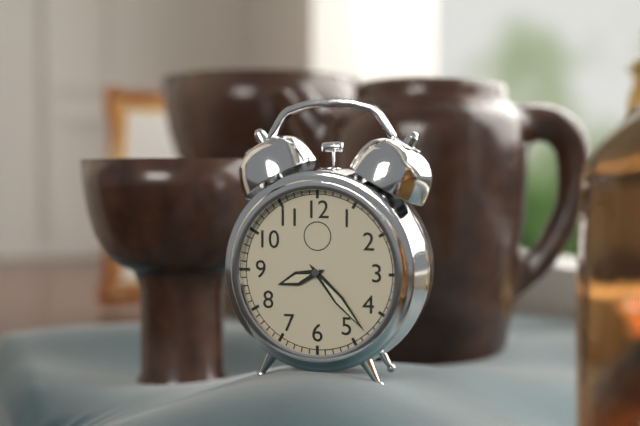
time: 8:23
